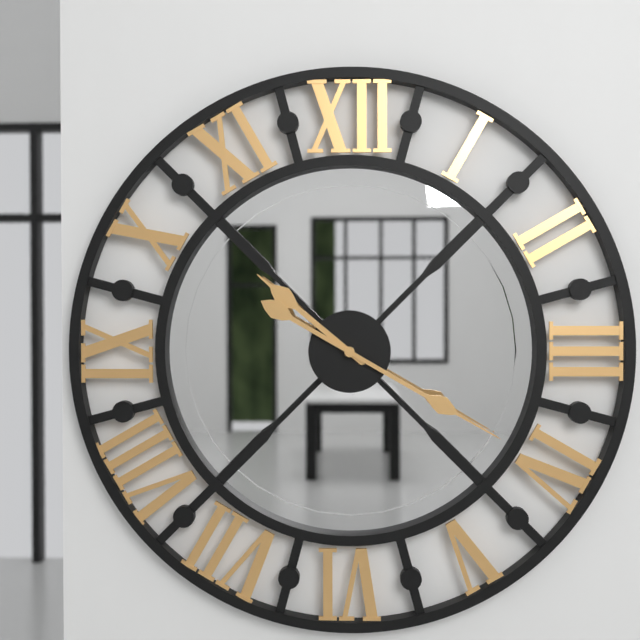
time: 10:20
